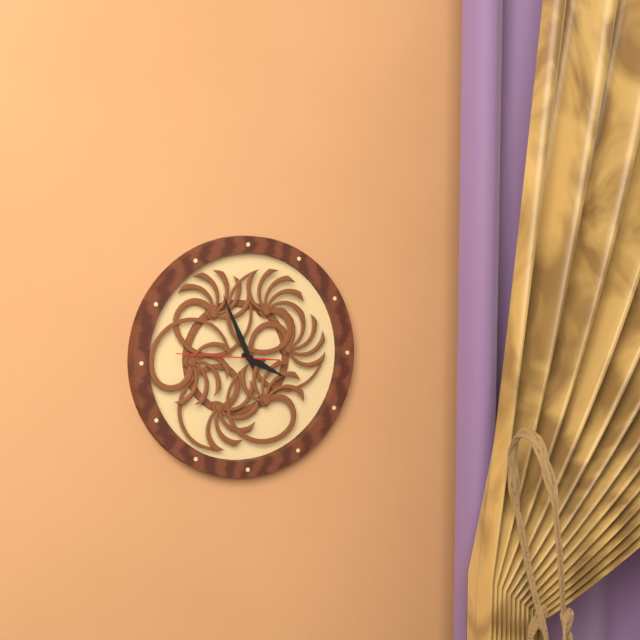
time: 3:56:46
